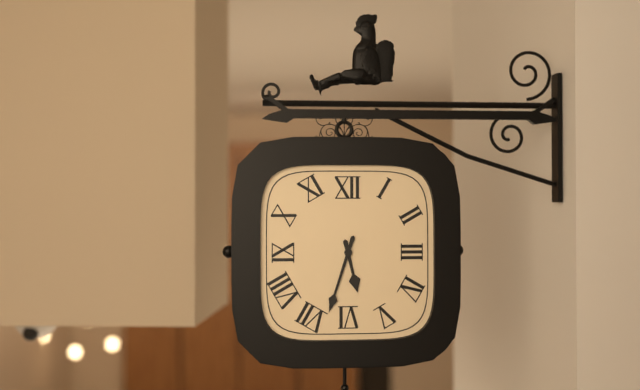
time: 5:33
